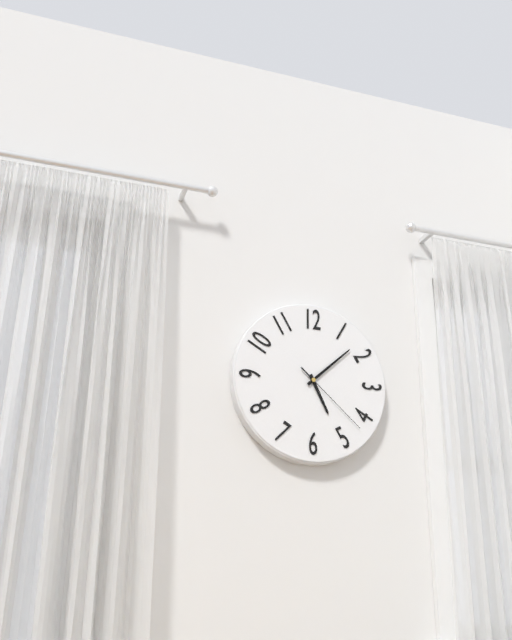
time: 5:08:22
